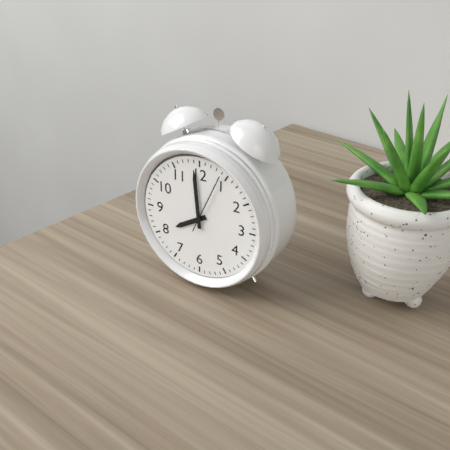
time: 7:59:04
